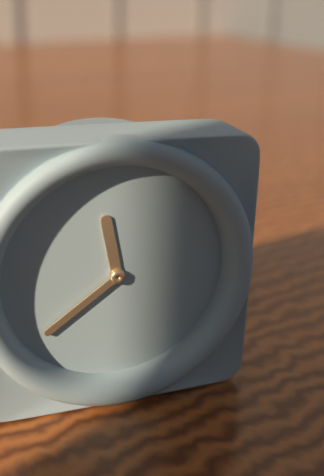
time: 11:39
